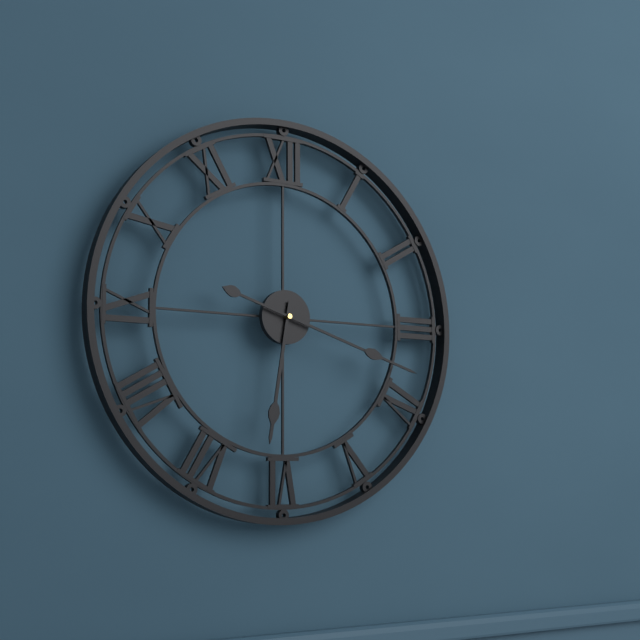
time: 6:18
